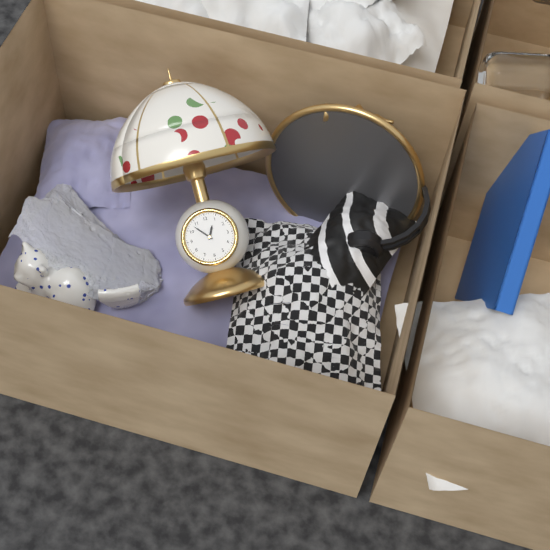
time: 12:53
